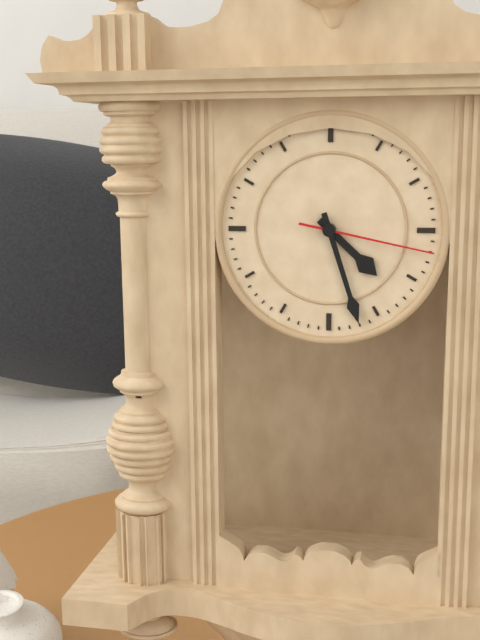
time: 4:27:17
